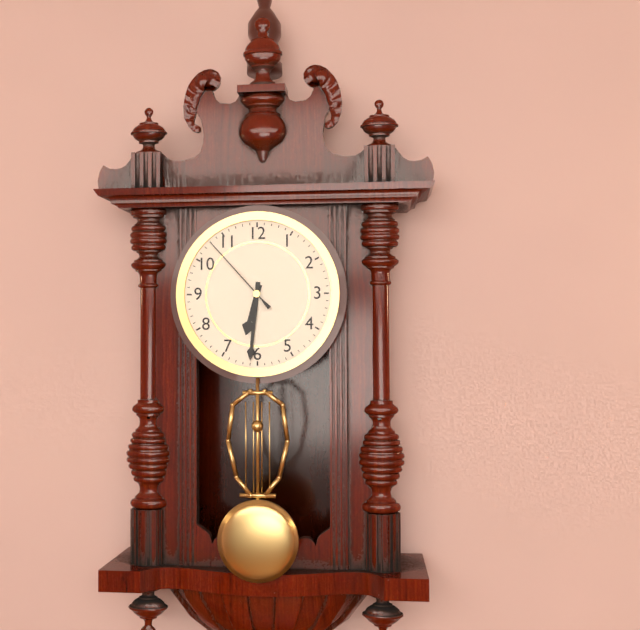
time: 6:31:53
